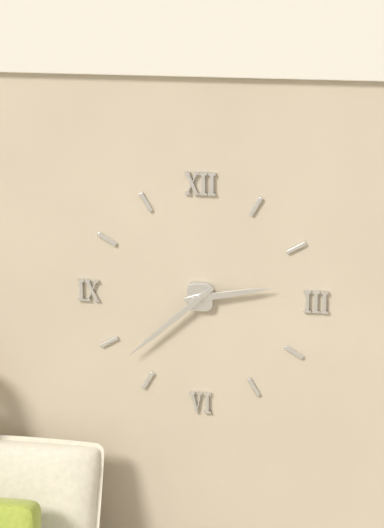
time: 2:38
